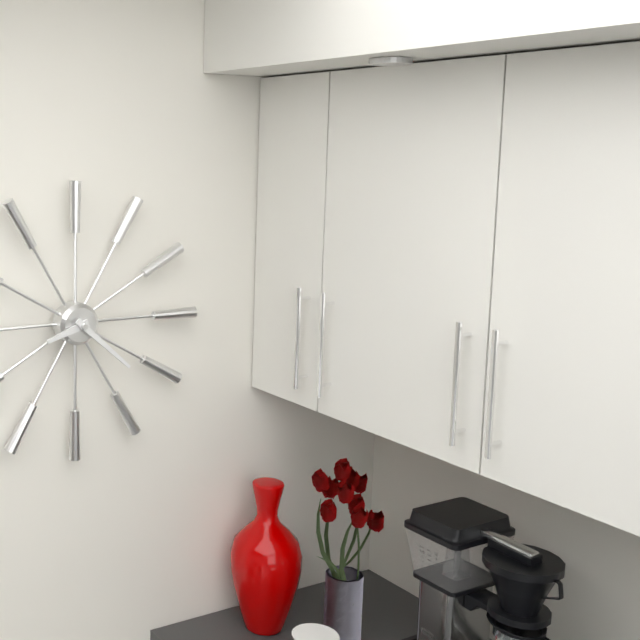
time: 8:22
